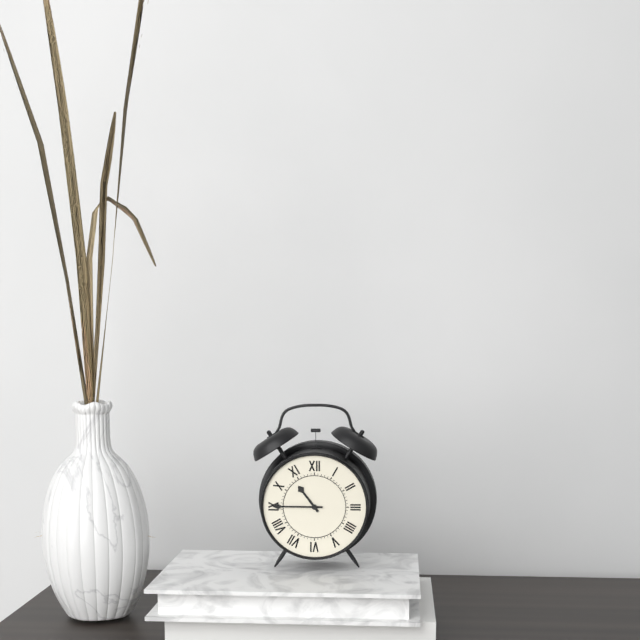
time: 10:45
